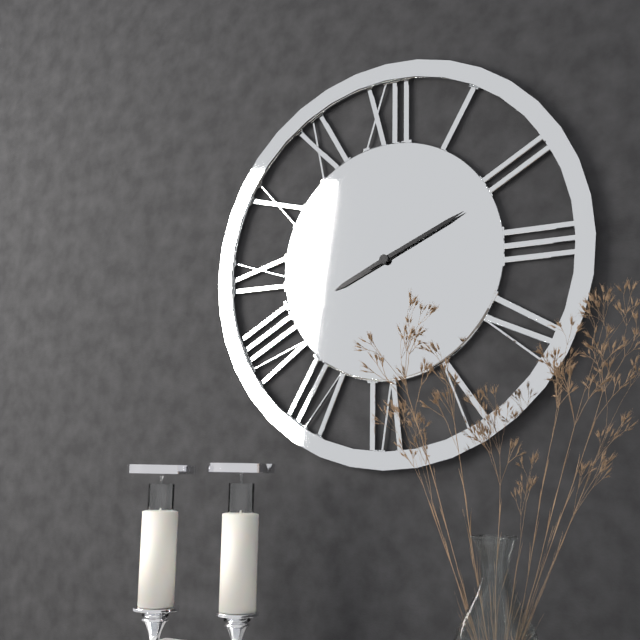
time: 8:11
